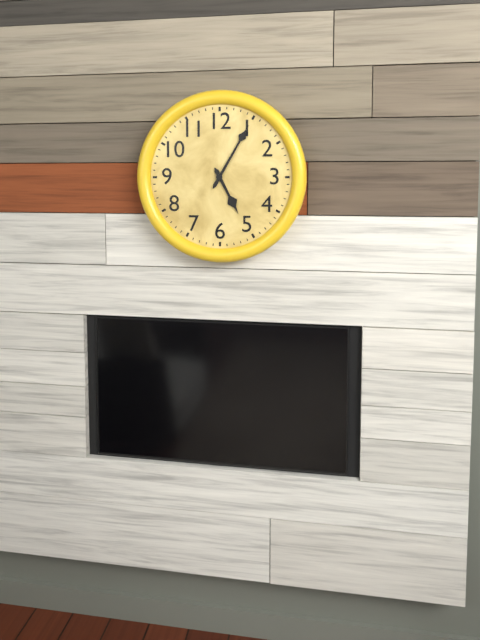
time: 5:05
